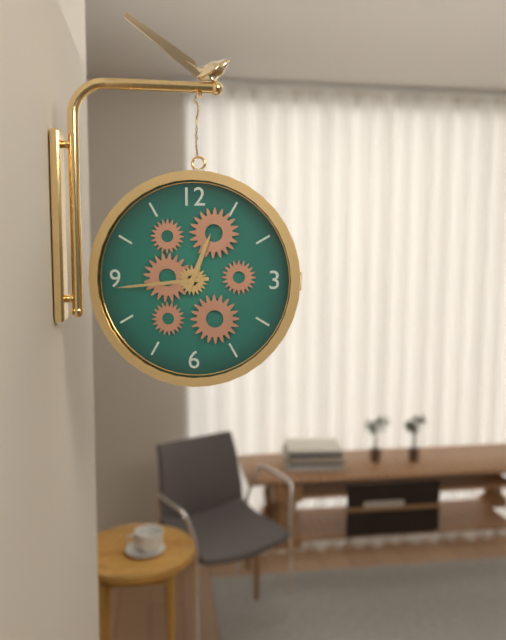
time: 12:44
